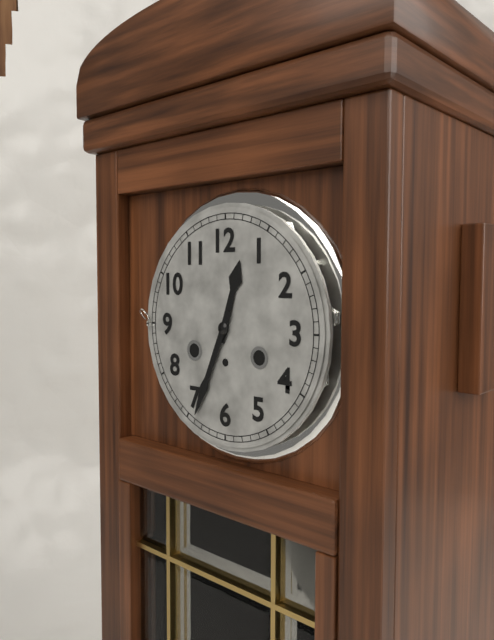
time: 12:34
